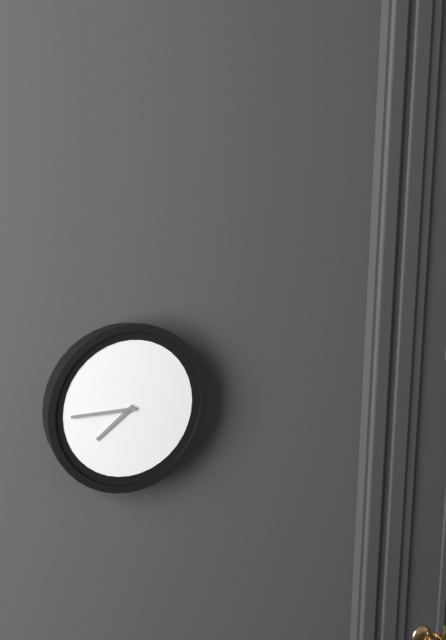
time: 7:45
